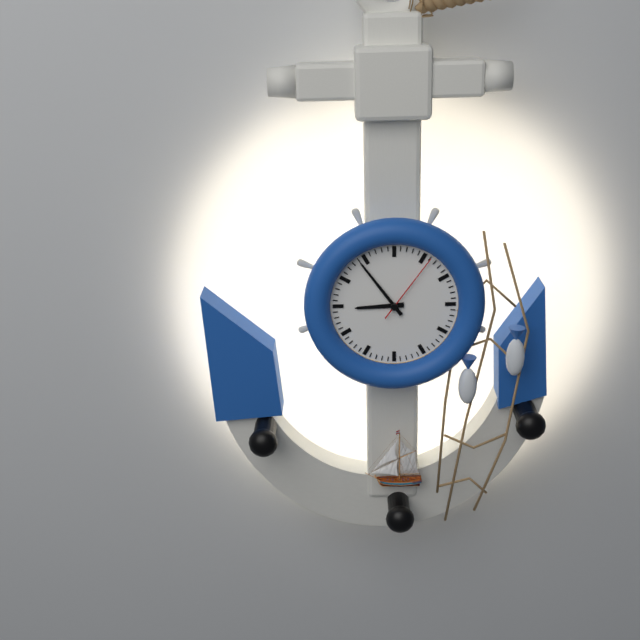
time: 8:54:06
